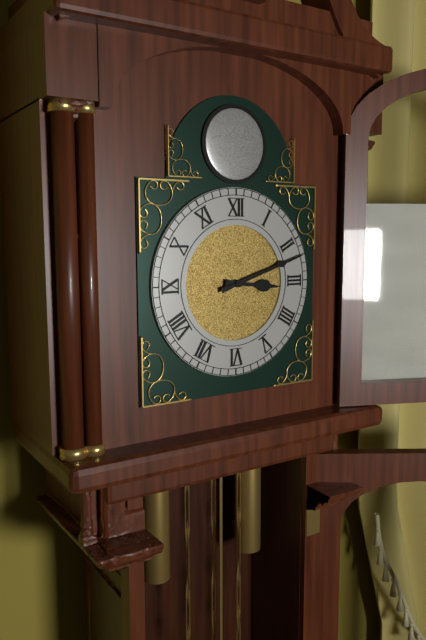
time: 3:12
